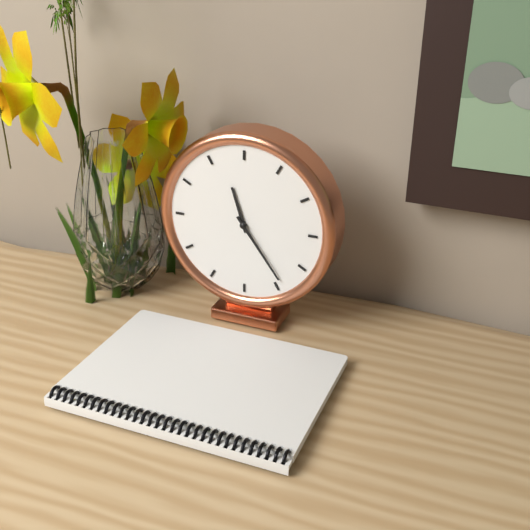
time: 11:24
